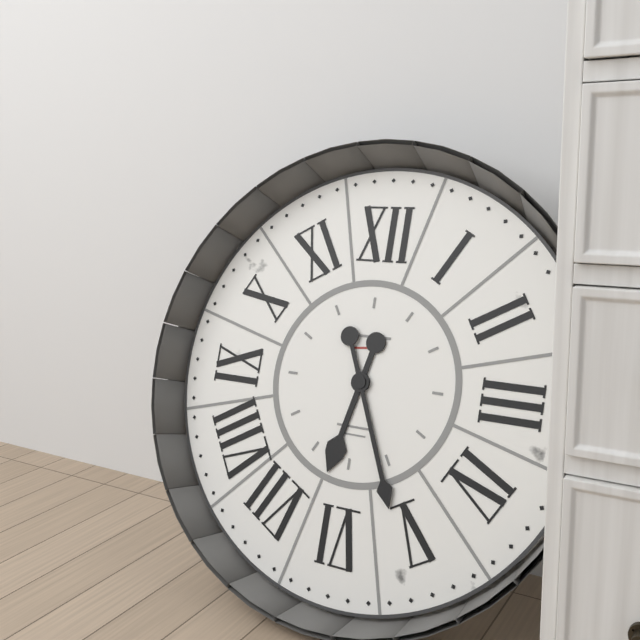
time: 6:26
